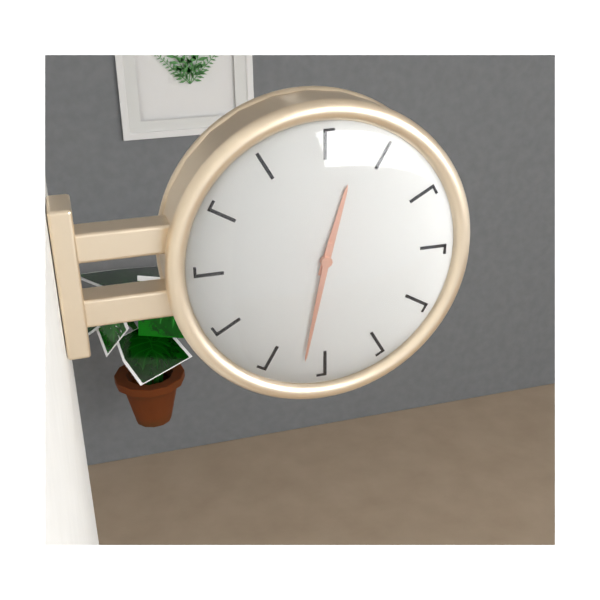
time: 12:32
